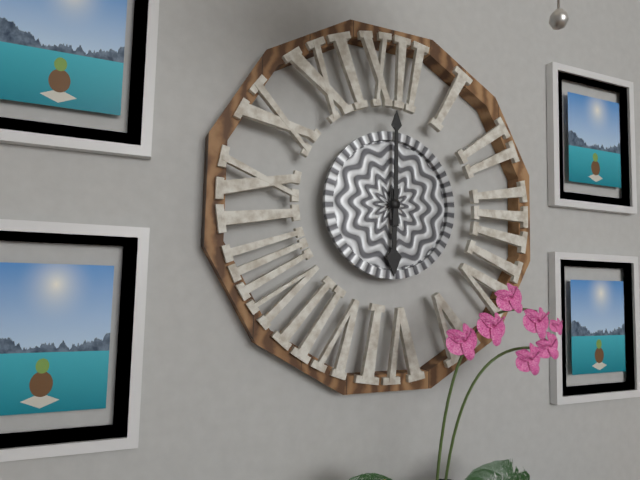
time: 6:00
